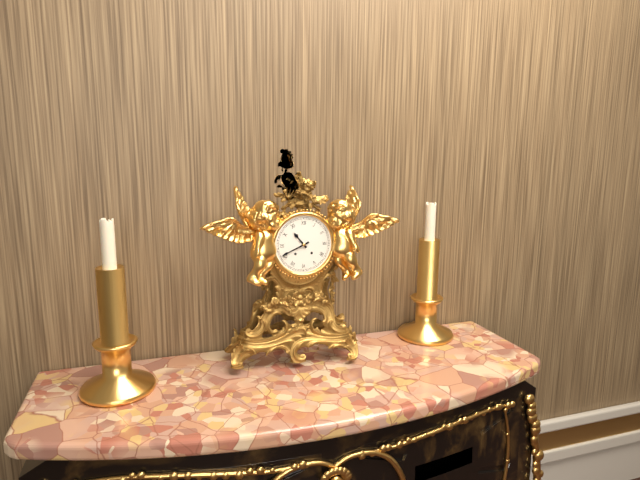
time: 10:41
